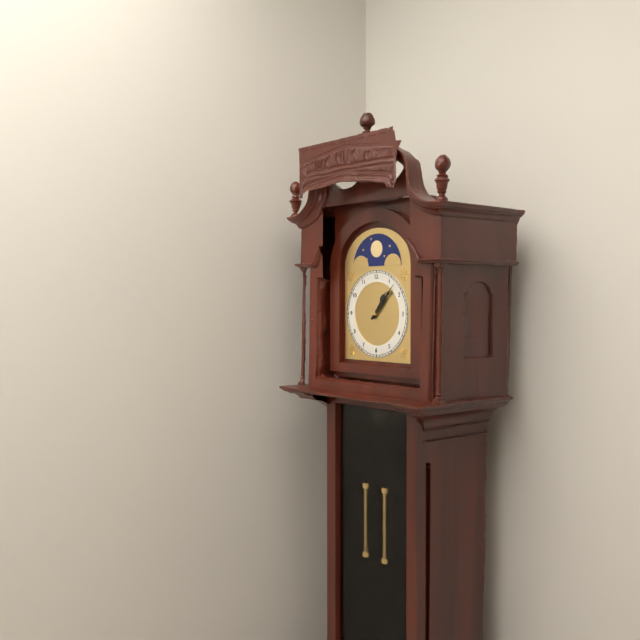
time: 1:07
